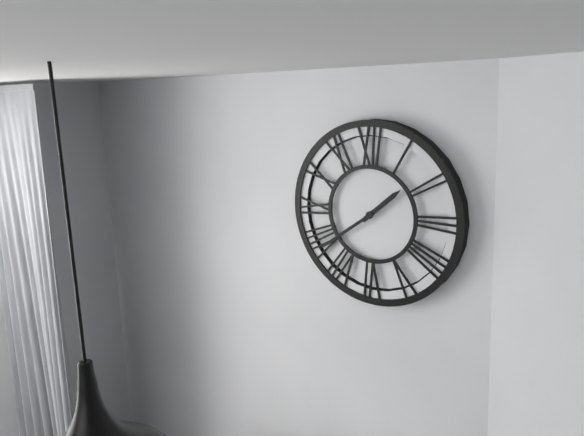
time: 1:39
